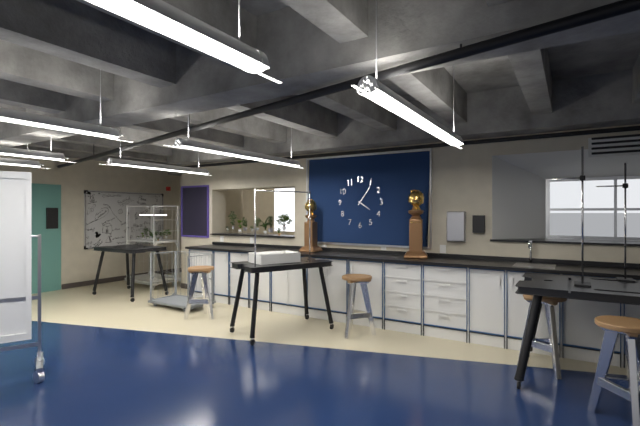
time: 4:06
